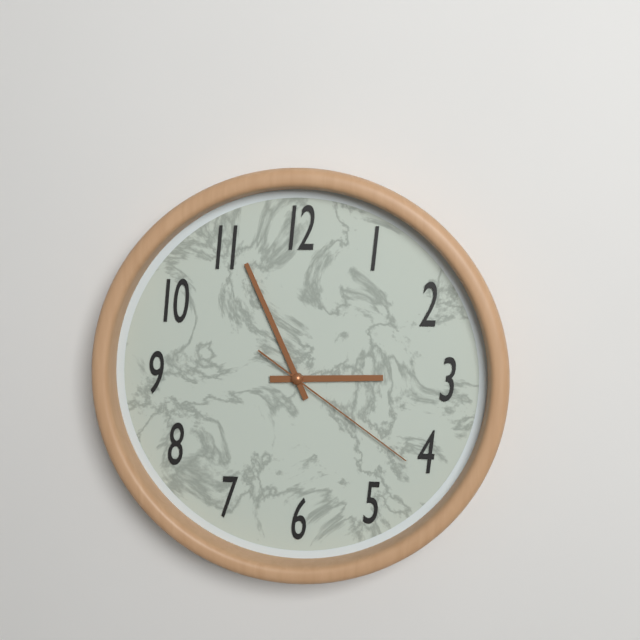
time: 2:56:21
